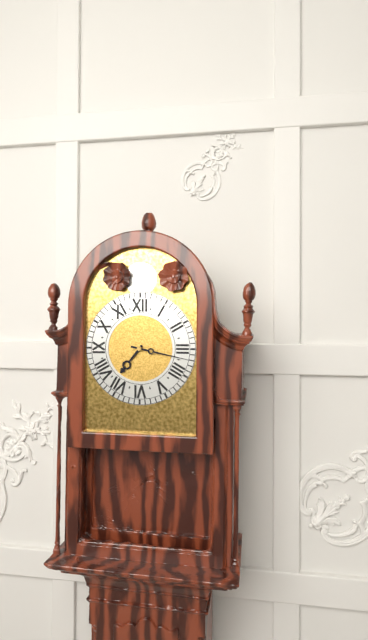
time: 7:17
